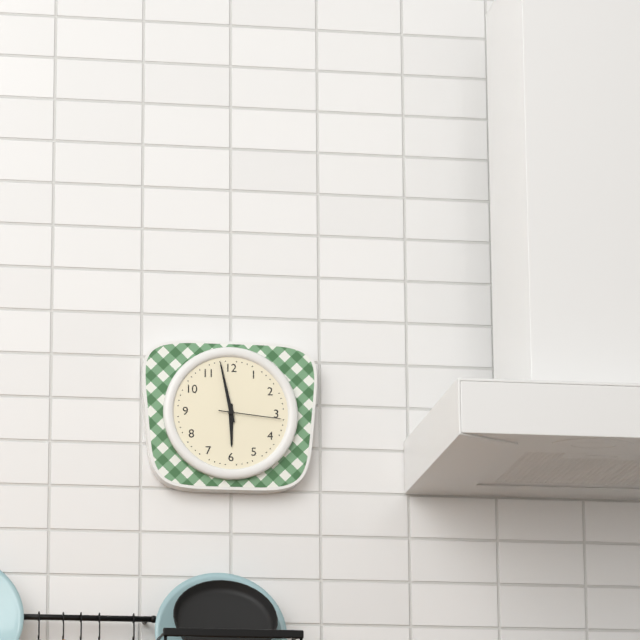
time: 5:58:16
